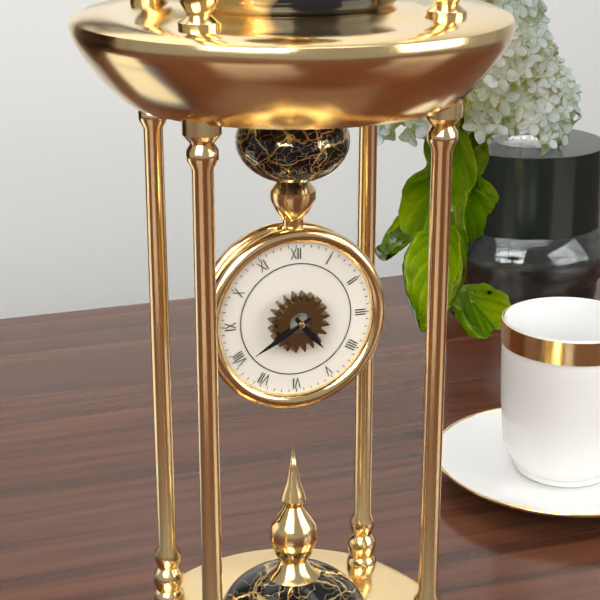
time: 4:40
